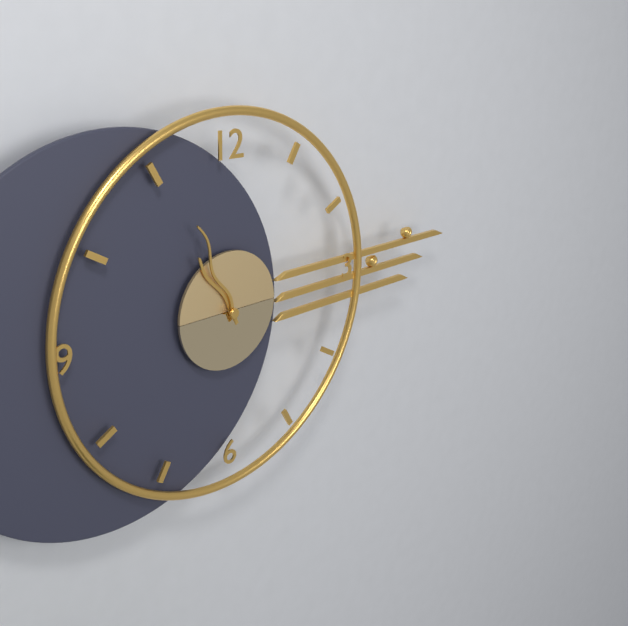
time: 10:56
